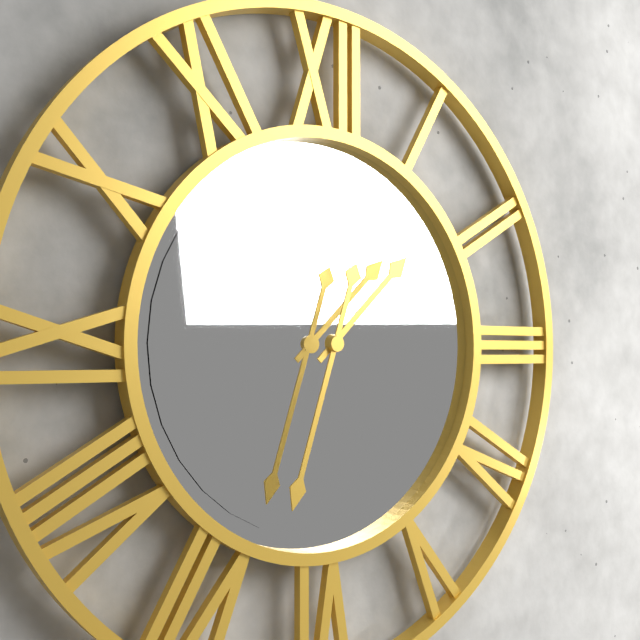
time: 1:33
